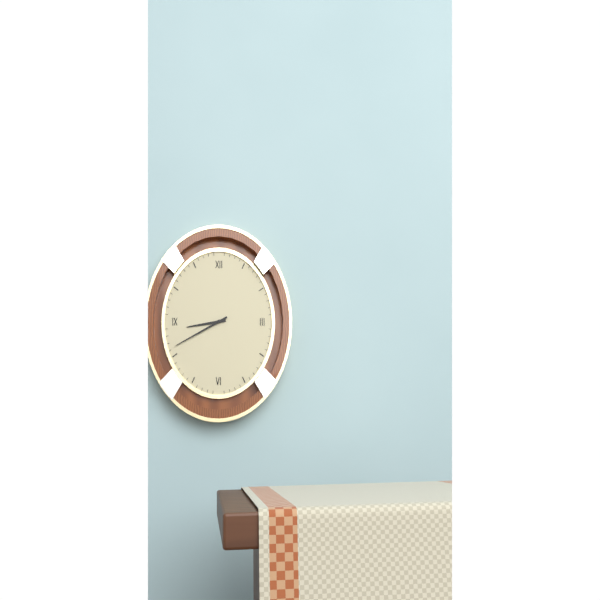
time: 8:40
